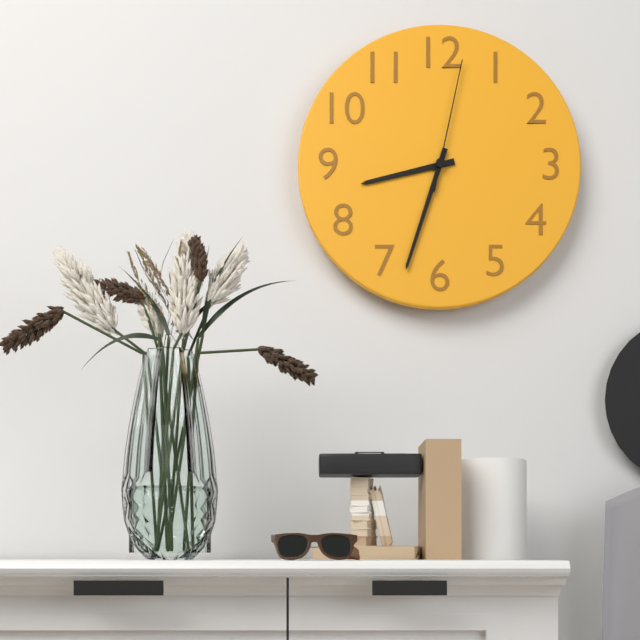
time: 8:33:02
